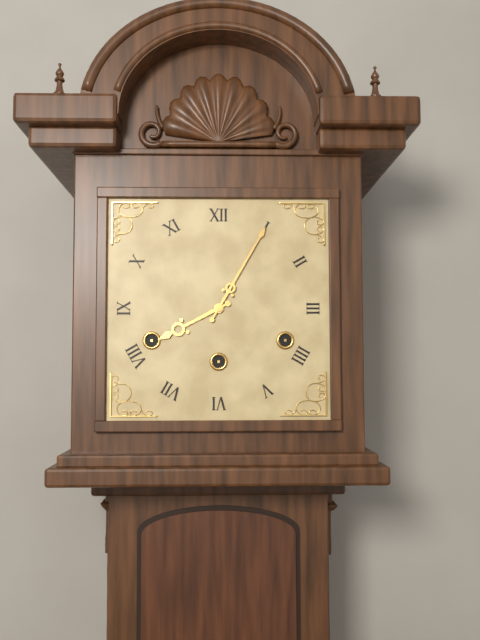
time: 8:05
